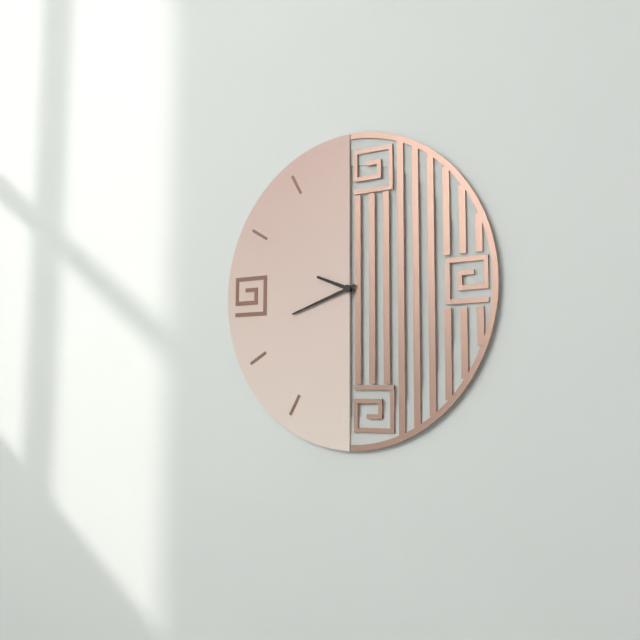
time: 9:42
